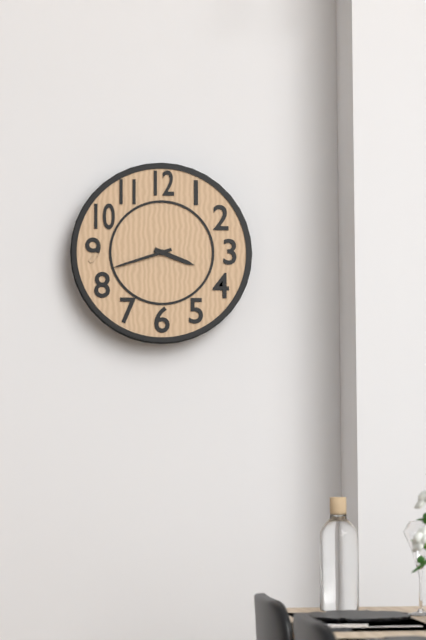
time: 3:42
